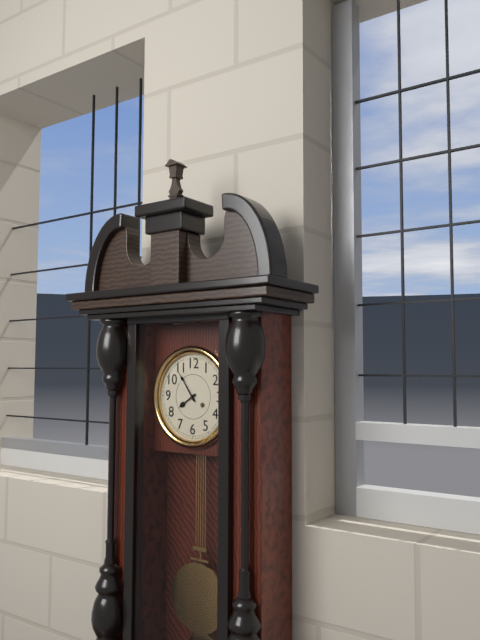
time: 7:54
